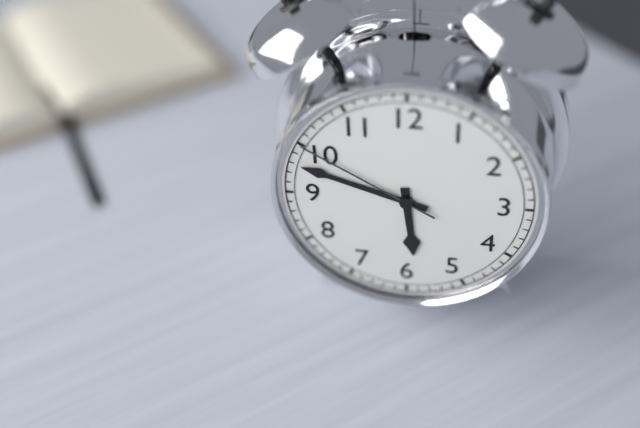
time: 5:48:50
